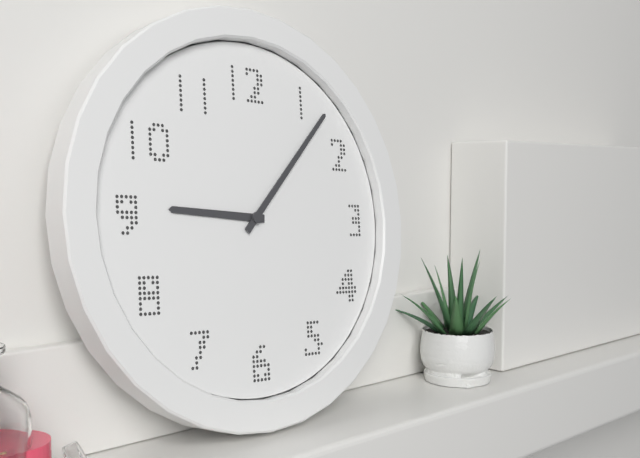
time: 9:07
